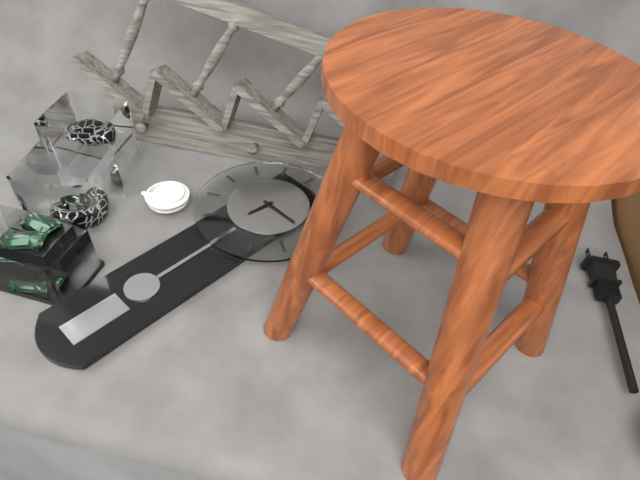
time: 6:15
